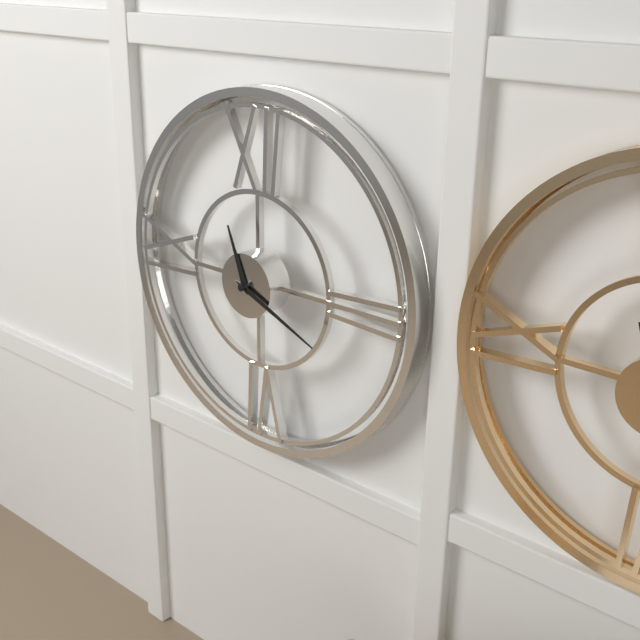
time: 11:19
